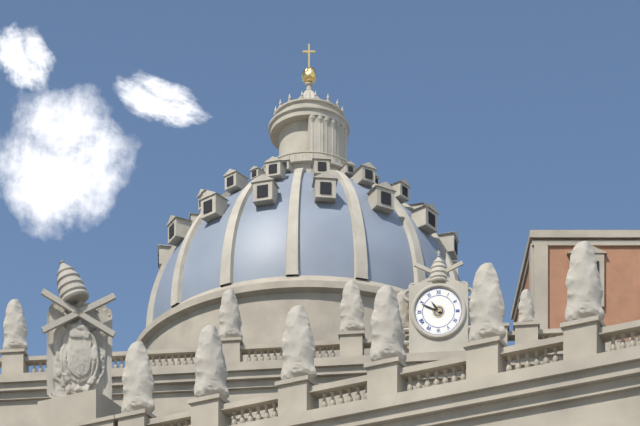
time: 10:49
